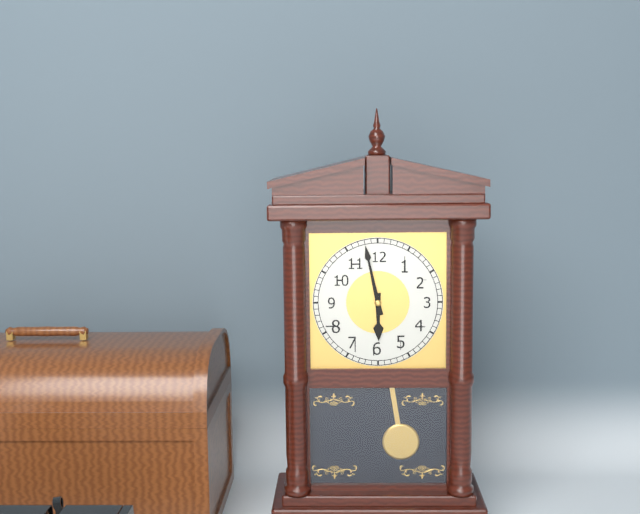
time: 5:58
